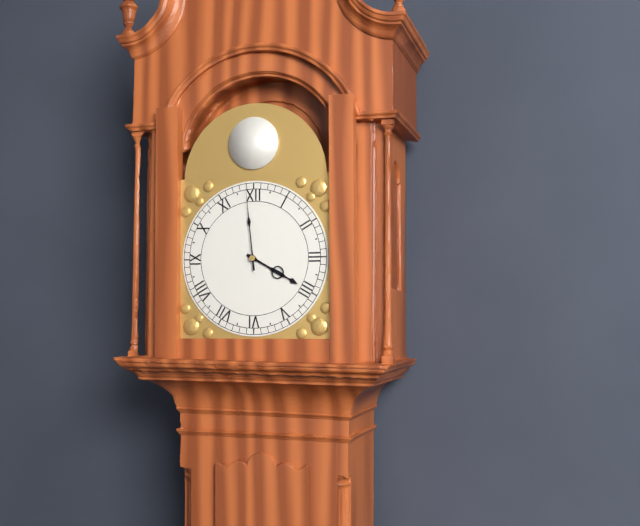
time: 3:59
